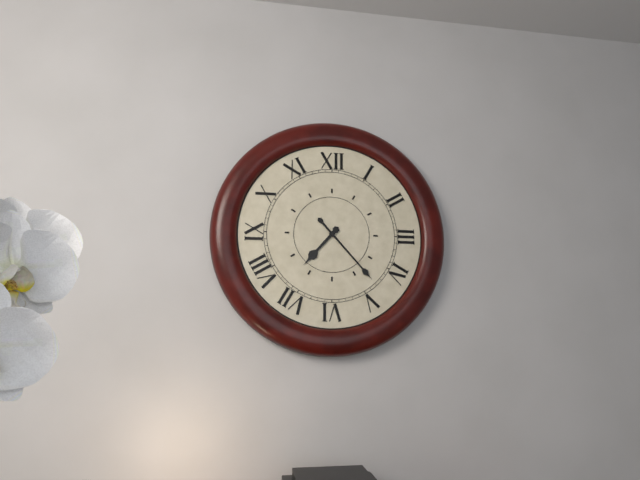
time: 7:23
